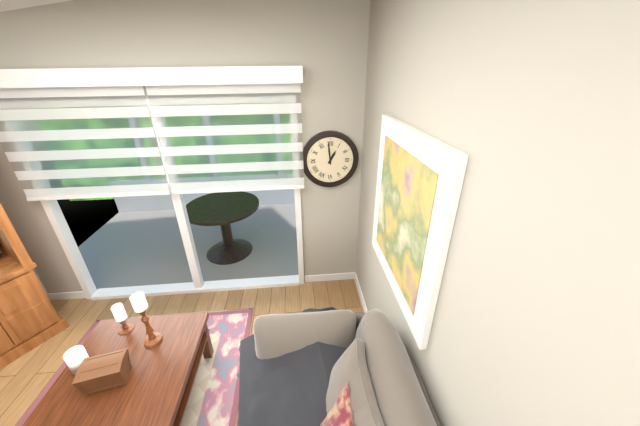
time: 12:59
